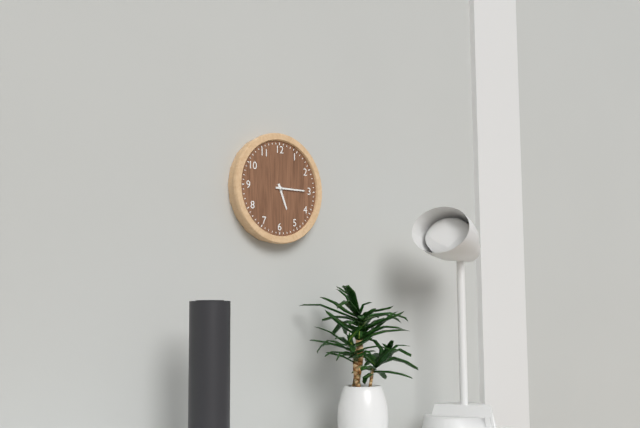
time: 5:15
